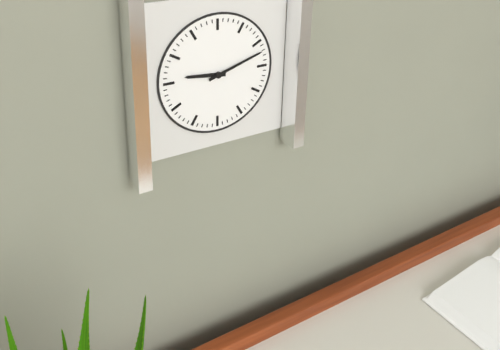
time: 9:12
